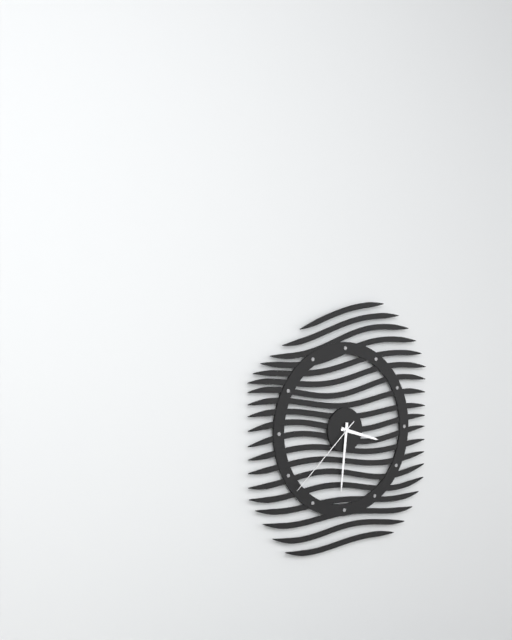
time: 3:31:38
